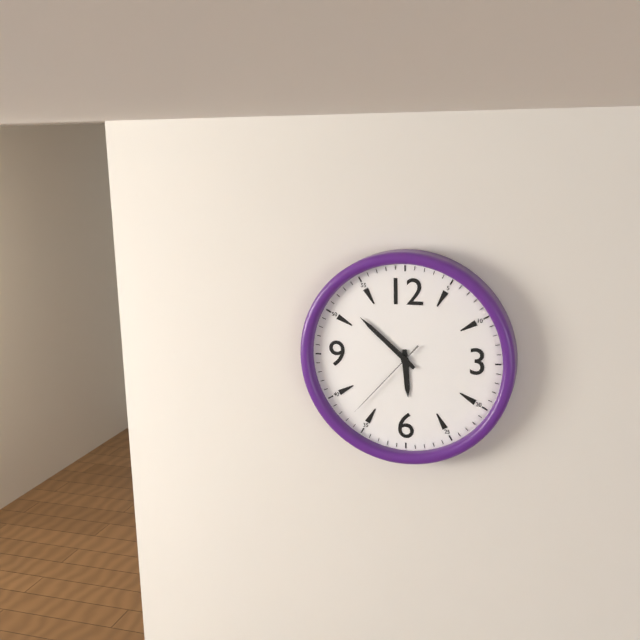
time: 5:52:37
